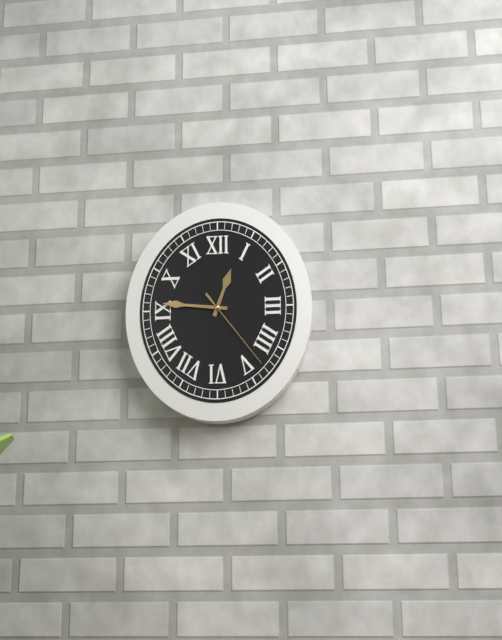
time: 12:46:23
